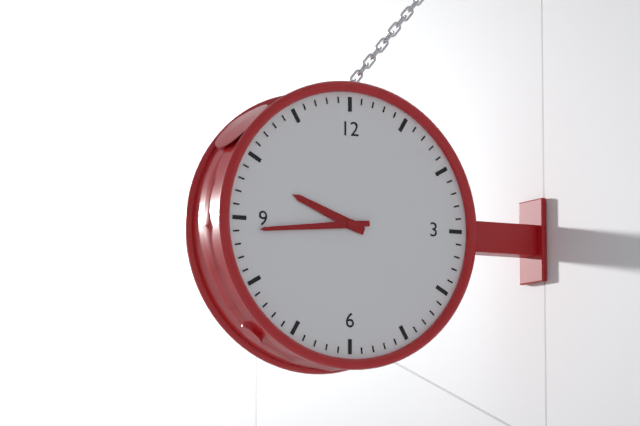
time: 9:44
